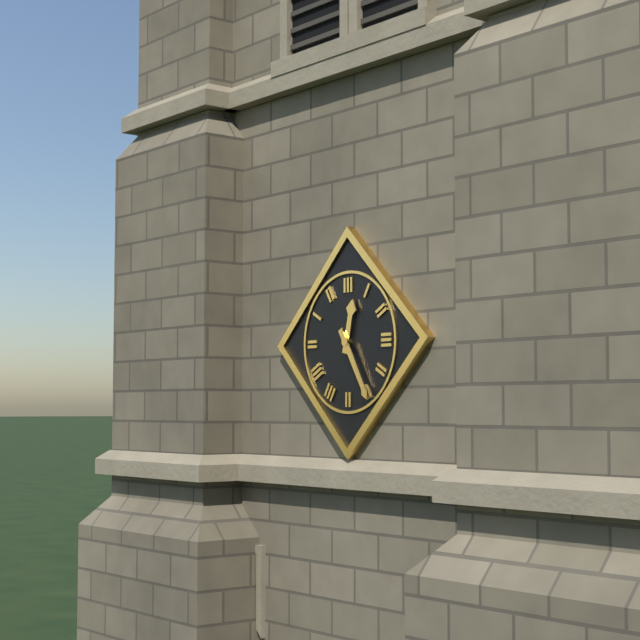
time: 12:25
